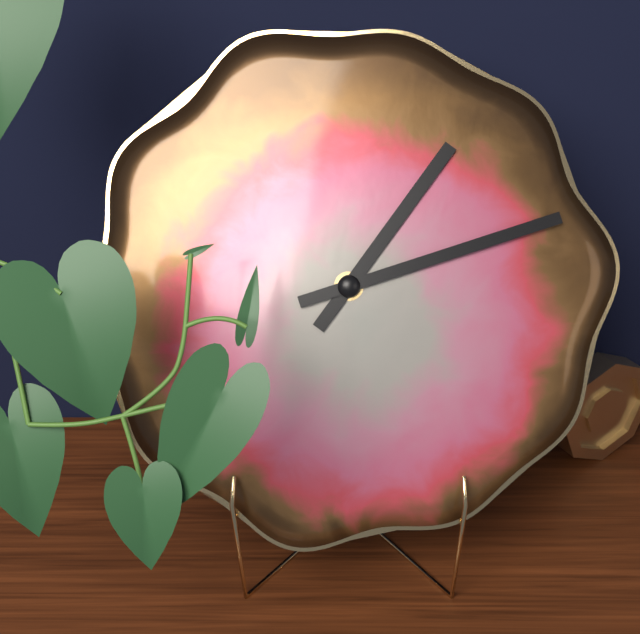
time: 1:12
